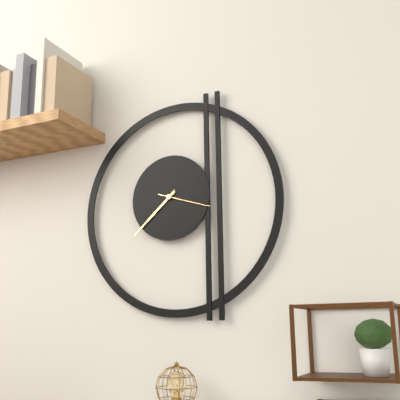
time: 7:38:18
